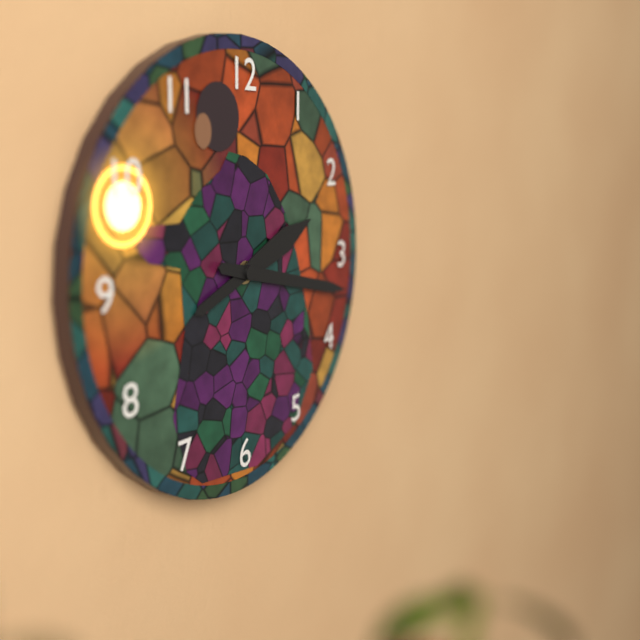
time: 2:17
